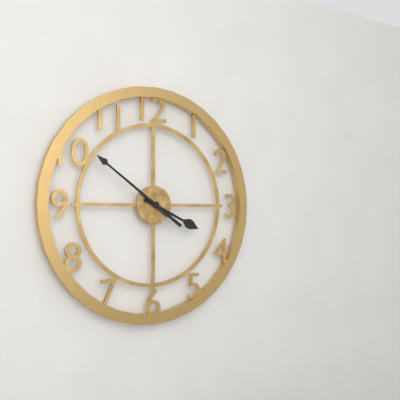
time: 3:51
